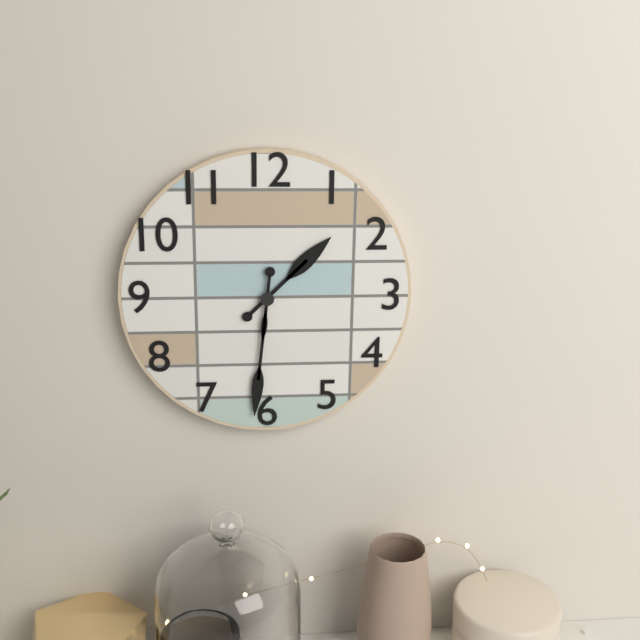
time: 1:31
